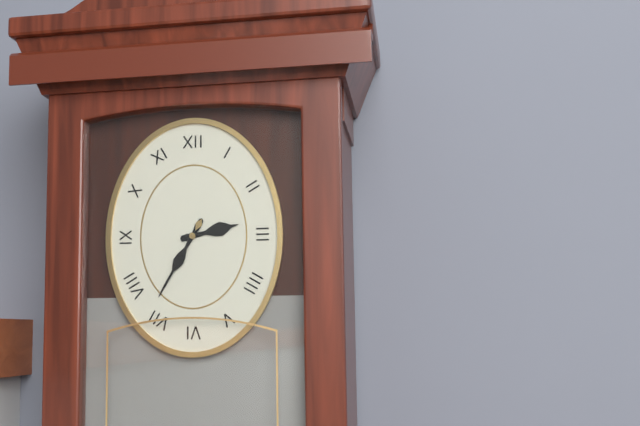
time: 2:35
